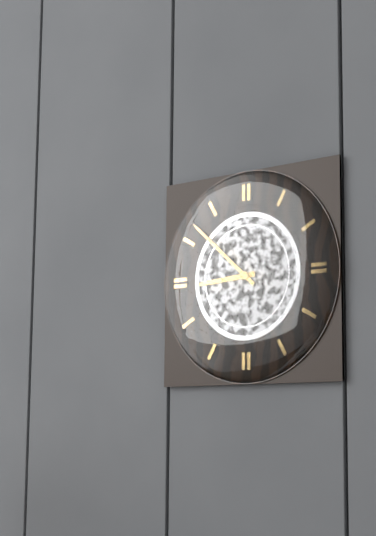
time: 8:52
